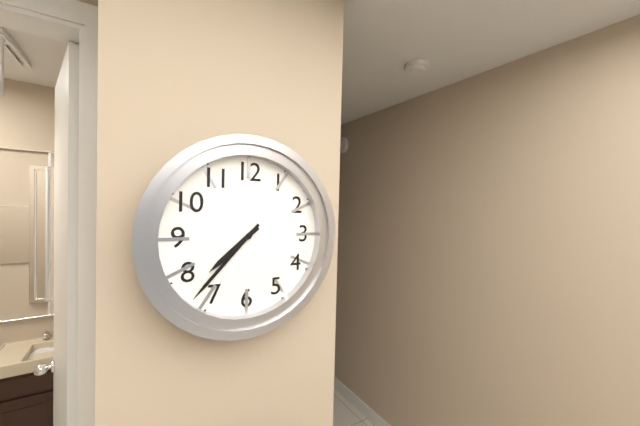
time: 7:37
